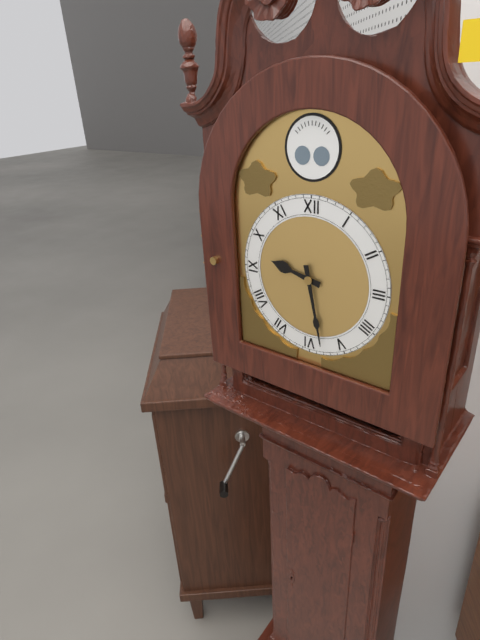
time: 9:28
